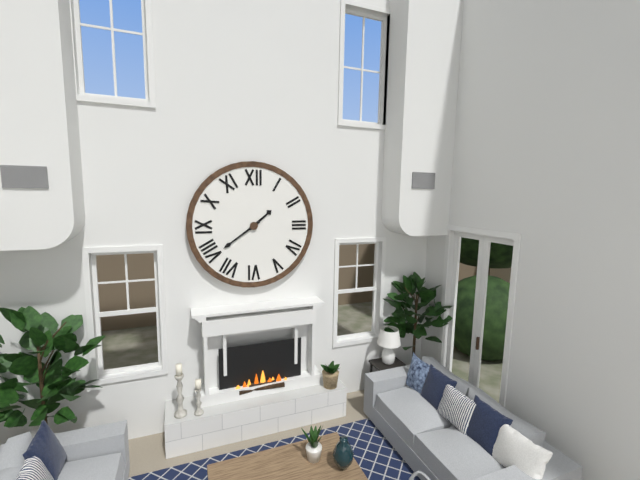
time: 1:39
